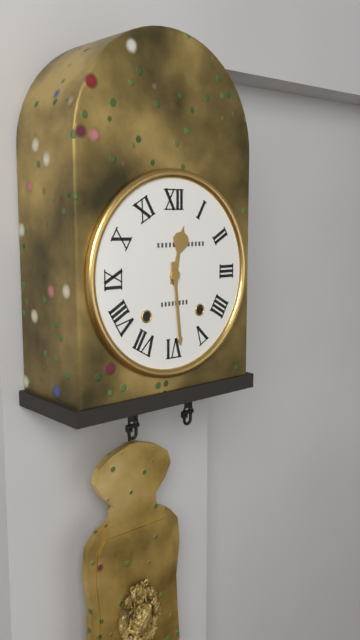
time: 12:29
